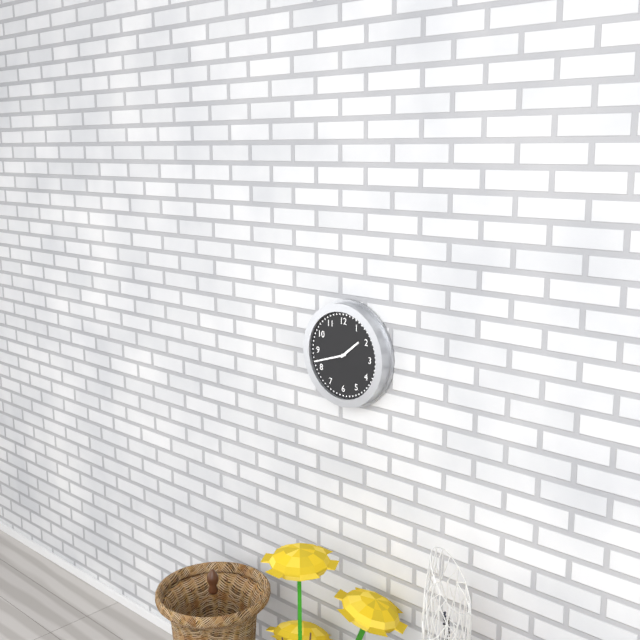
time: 1:42
